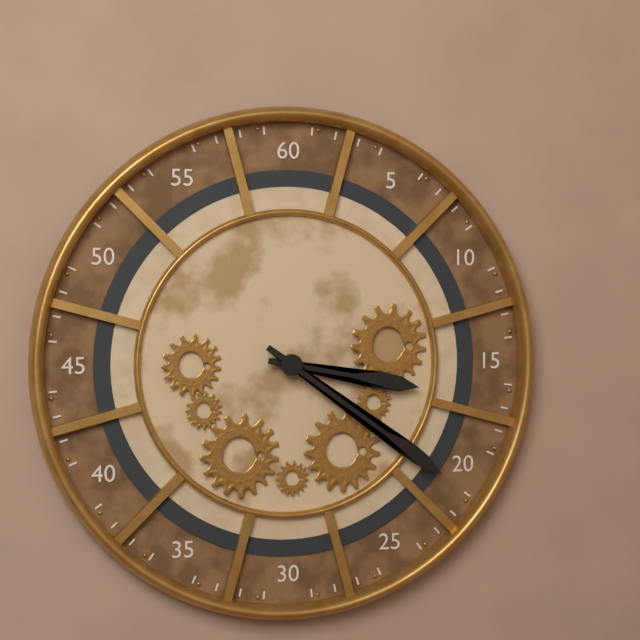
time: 3:21
